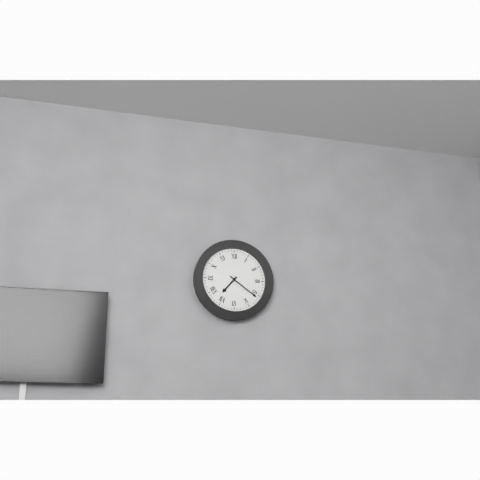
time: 7:21
